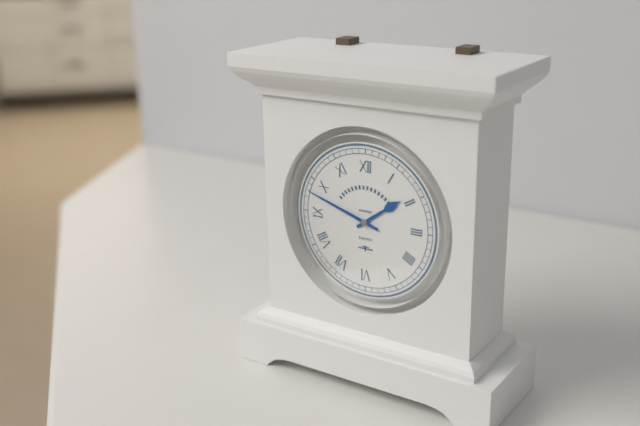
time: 1:48
